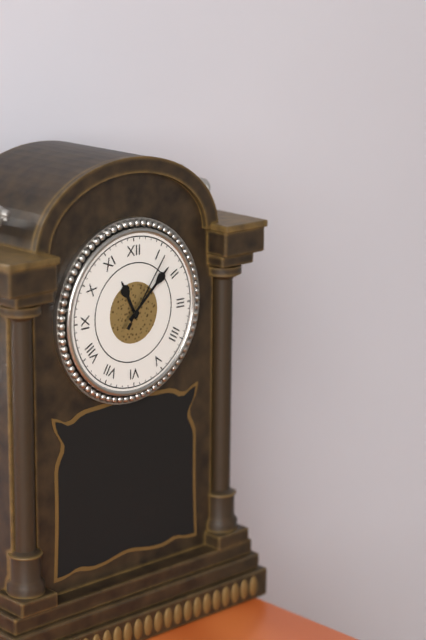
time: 11:08:06
